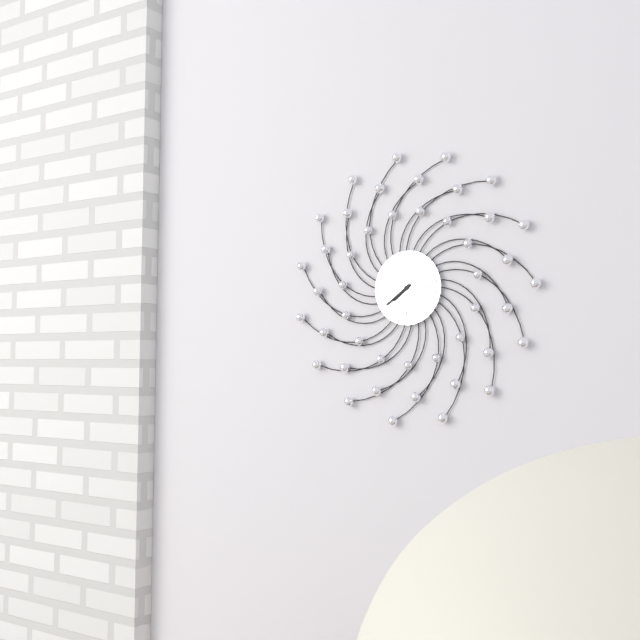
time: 7:39
